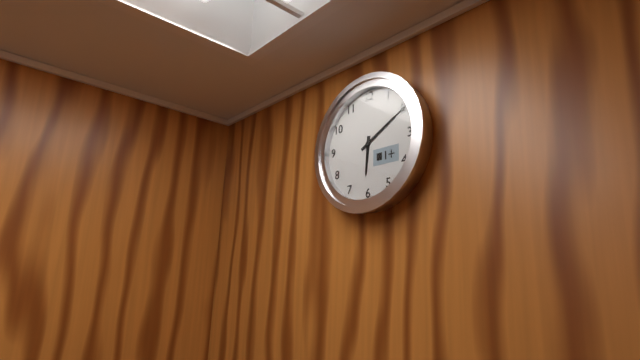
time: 6:10
